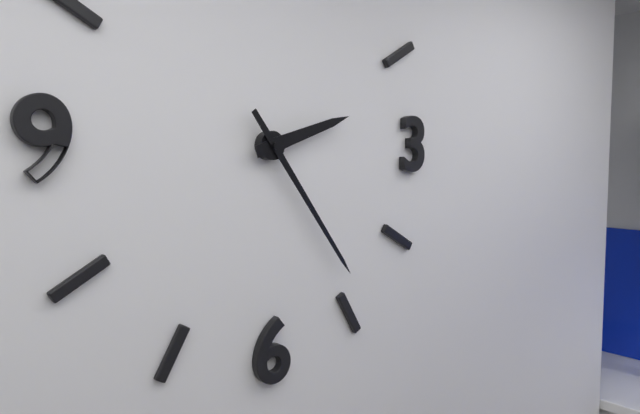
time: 2:24
